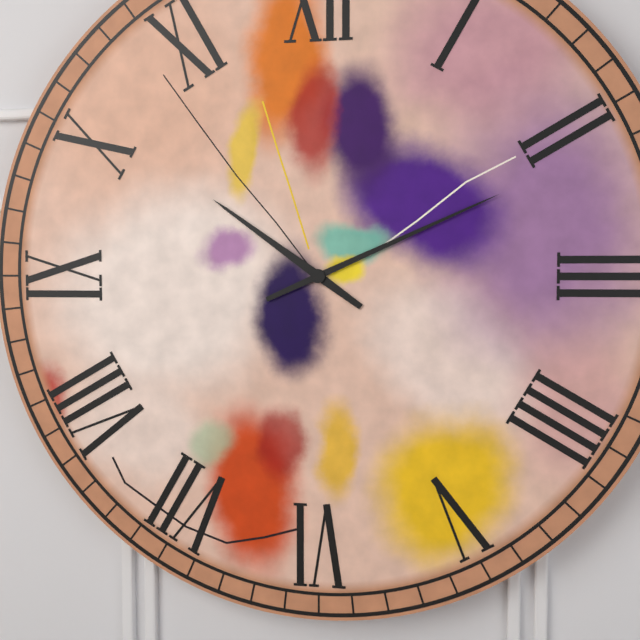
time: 10:11
